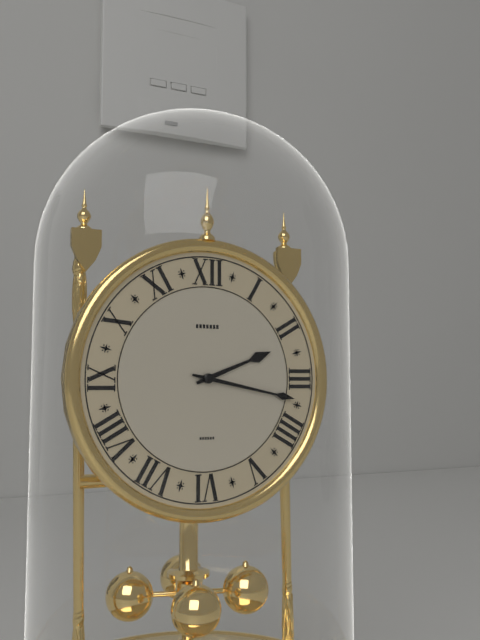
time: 2:17
